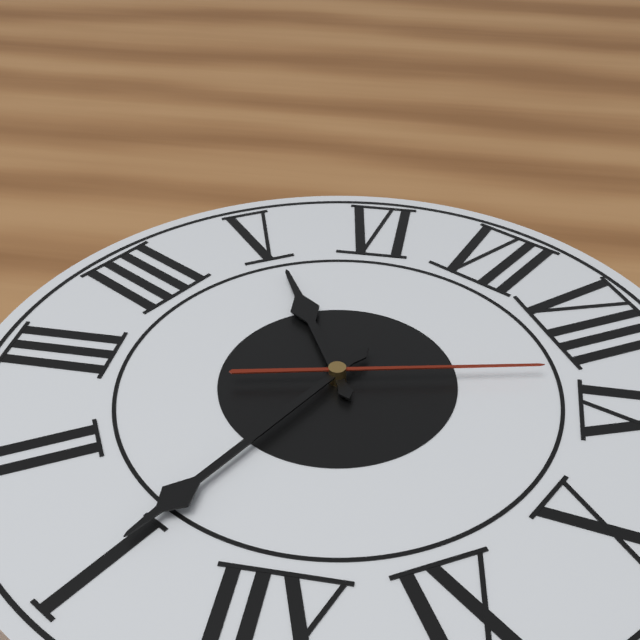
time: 5:05:43
